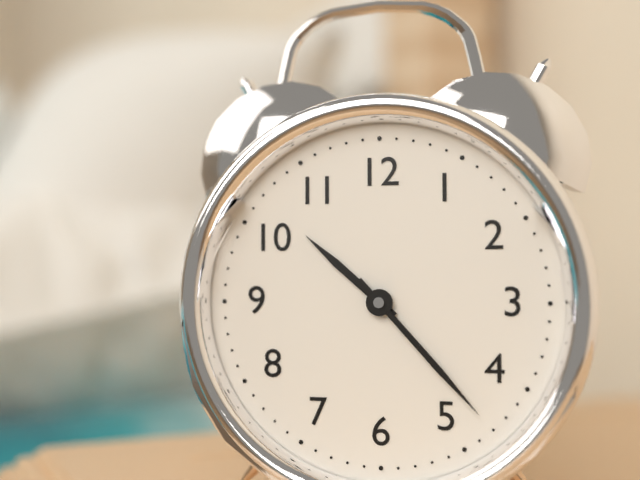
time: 10:23
